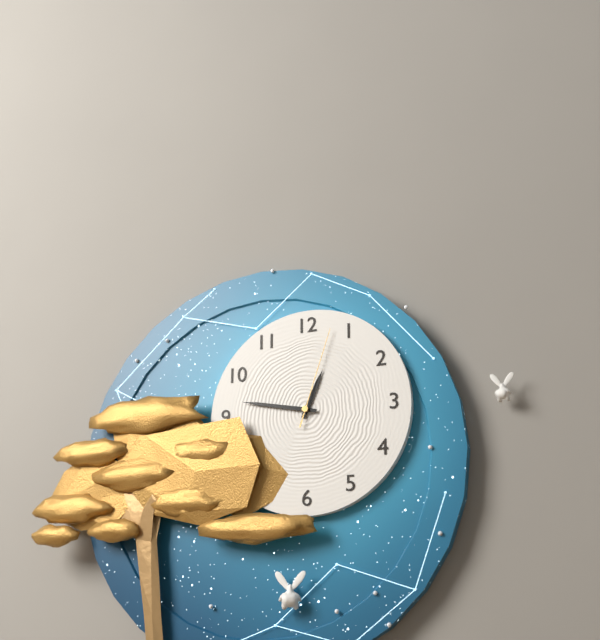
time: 12:47:03
